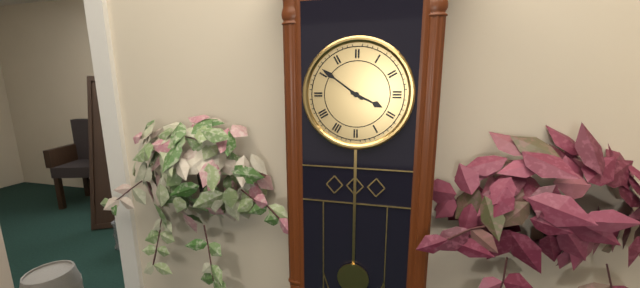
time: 3:51
